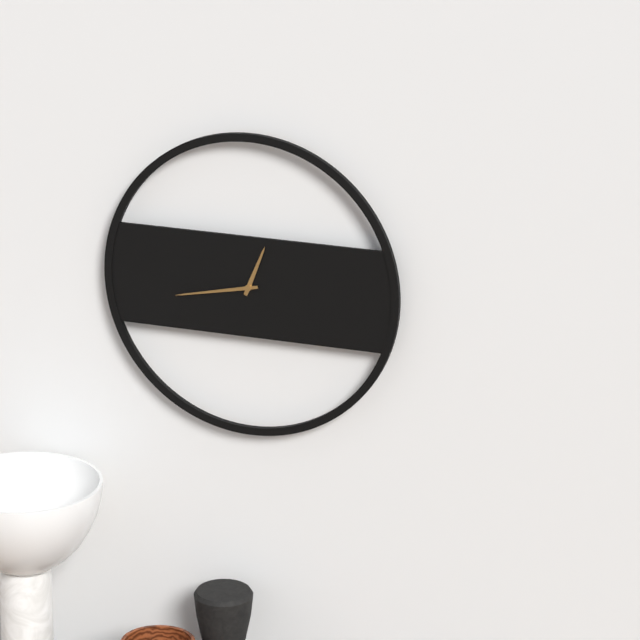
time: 12:43
